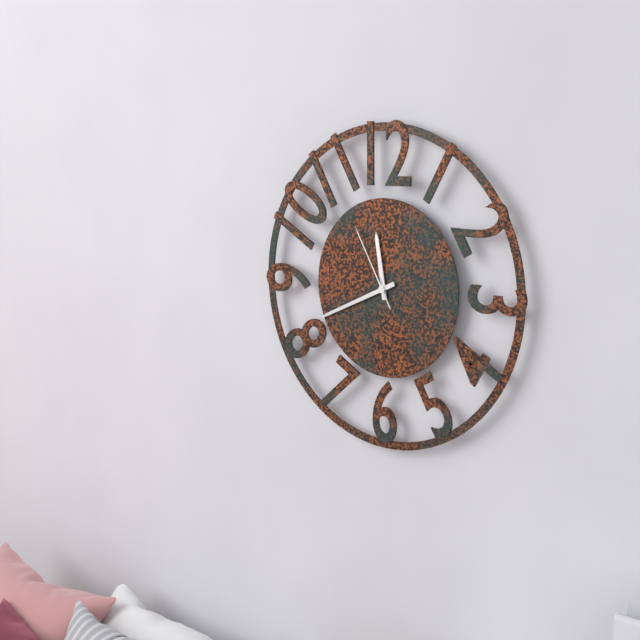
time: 11:41:55
